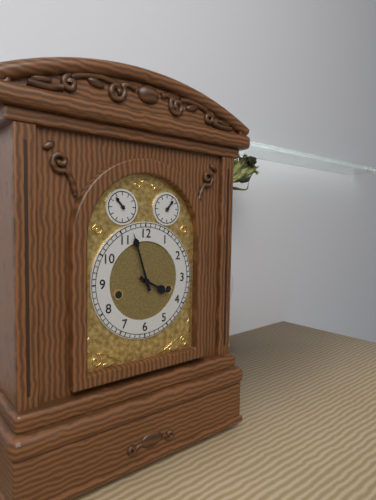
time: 3:57
